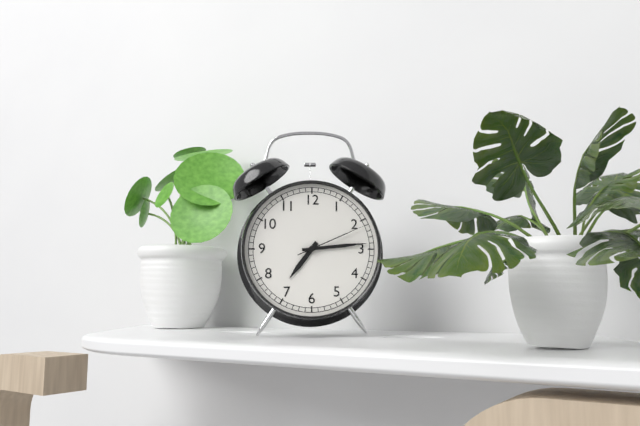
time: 7:14:11
